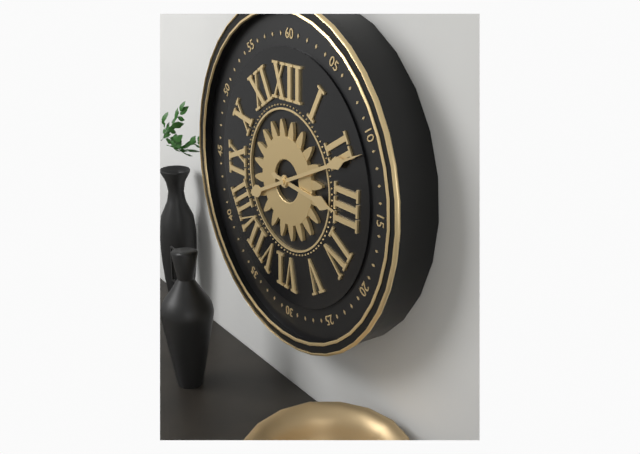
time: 3:11
